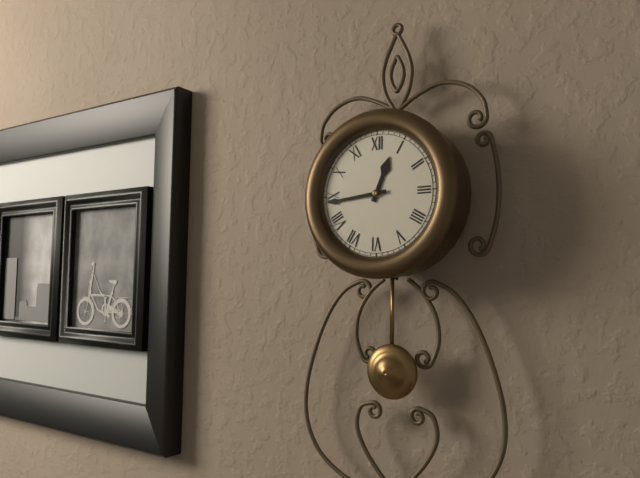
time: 12:44
